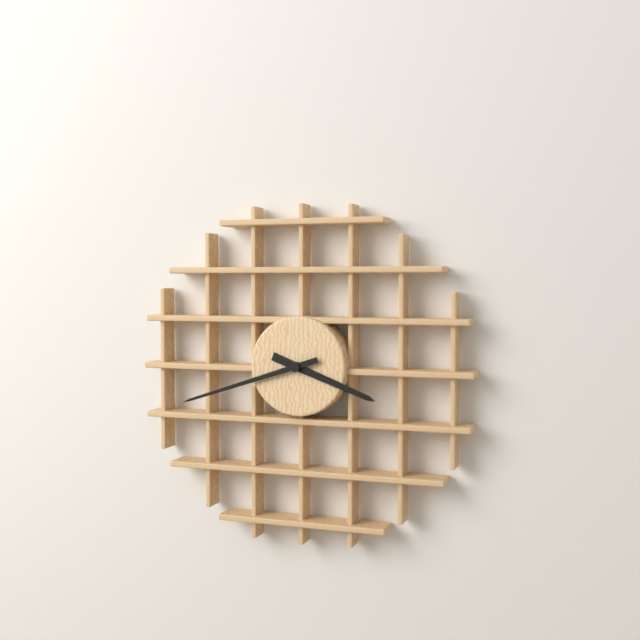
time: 3:42
